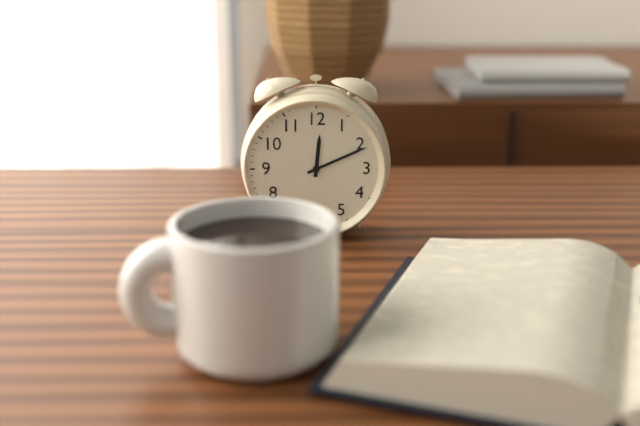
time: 12:11
